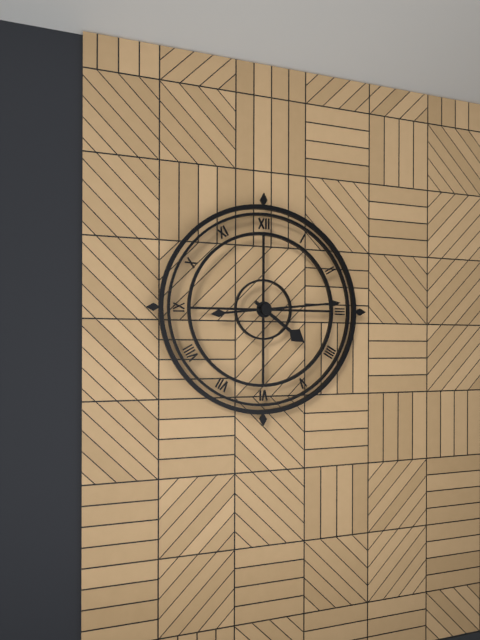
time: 4:14
